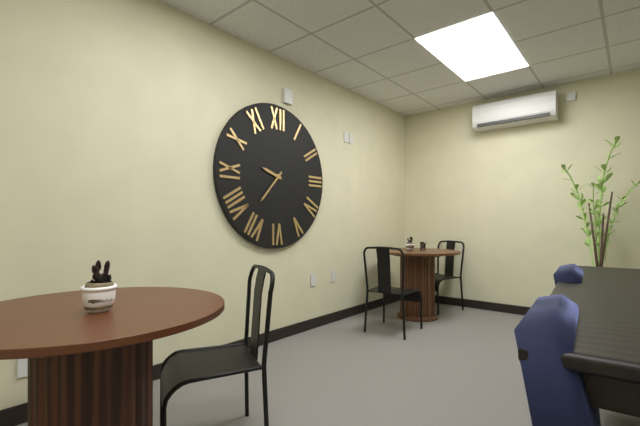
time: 9:37
